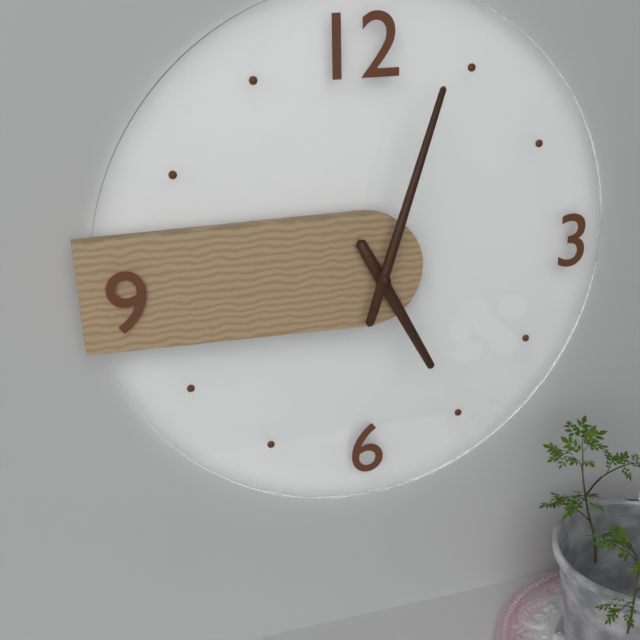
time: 5:03
